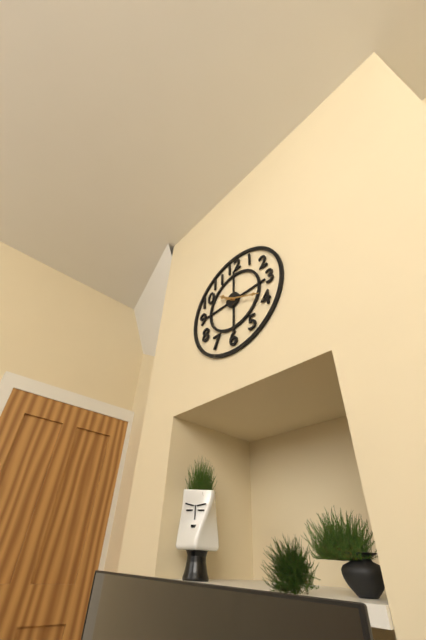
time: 10:19
